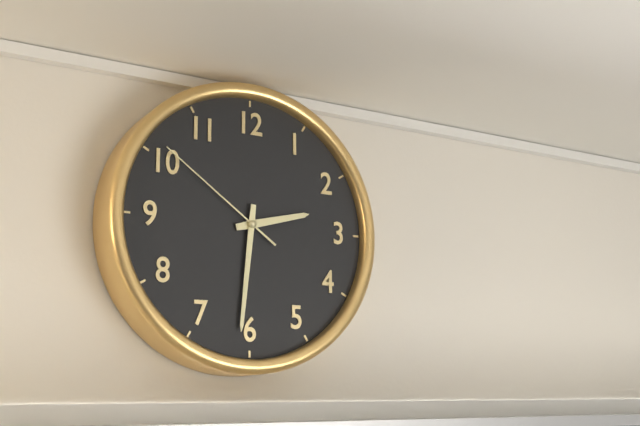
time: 2:31:51
